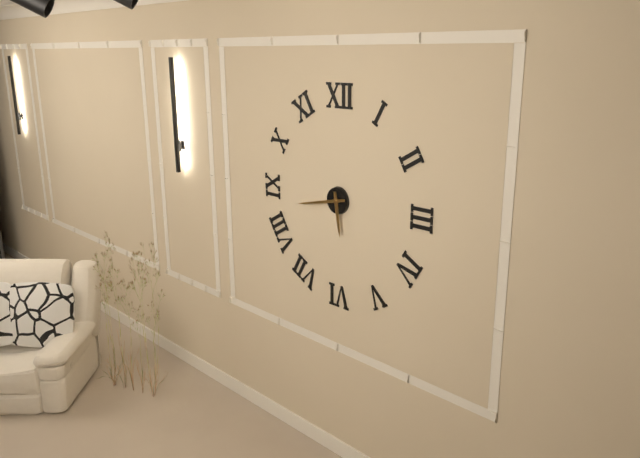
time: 5:43
